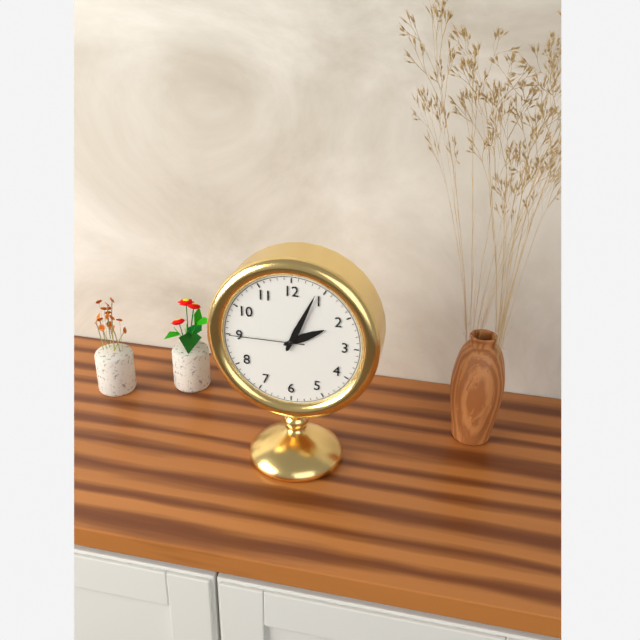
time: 2:04:45
